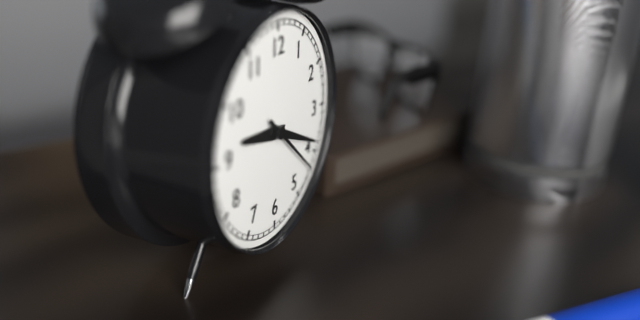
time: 9:19:22
